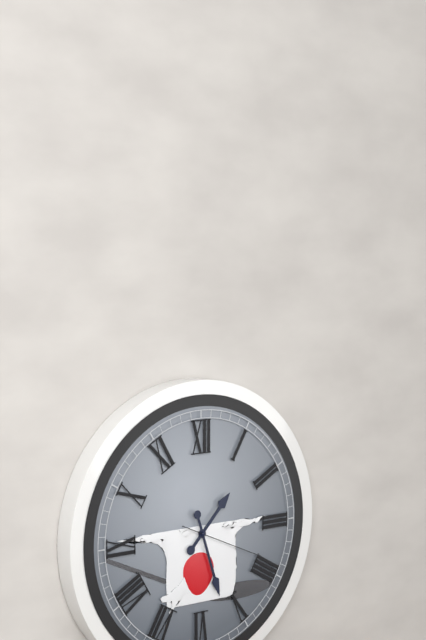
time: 1:27:19
